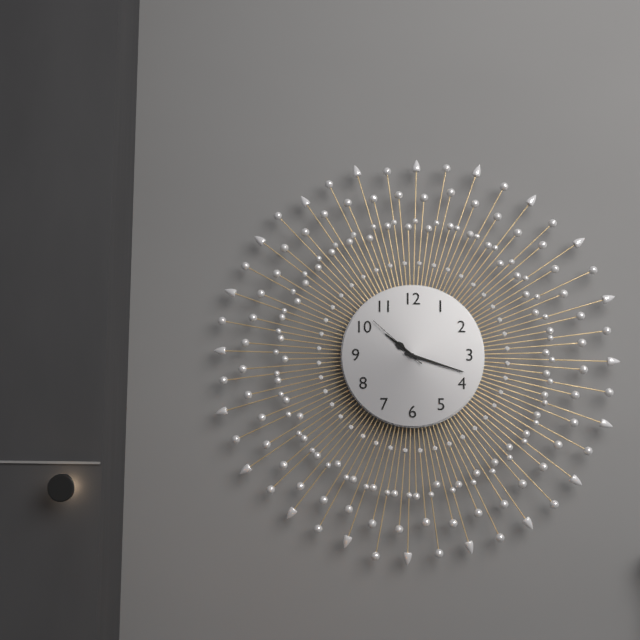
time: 10:18:52
